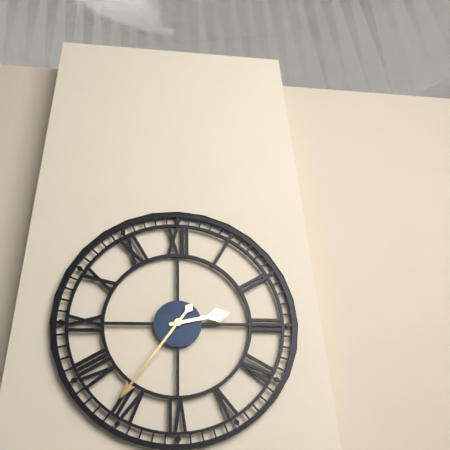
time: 2:36
